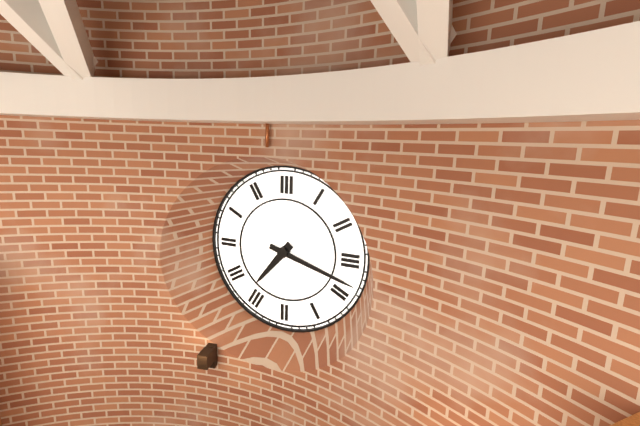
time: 7:18
